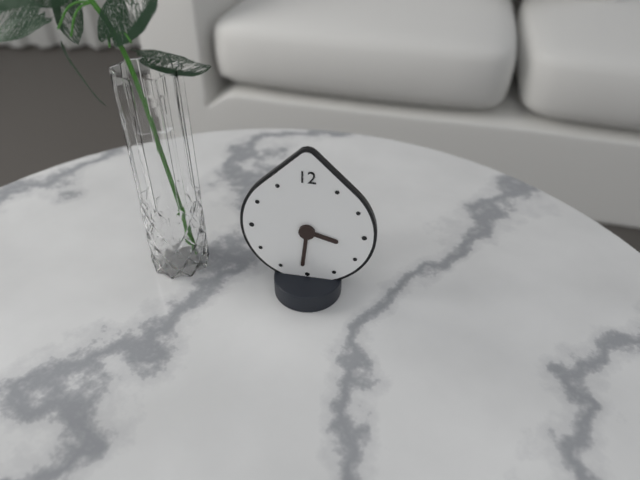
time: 3:31
